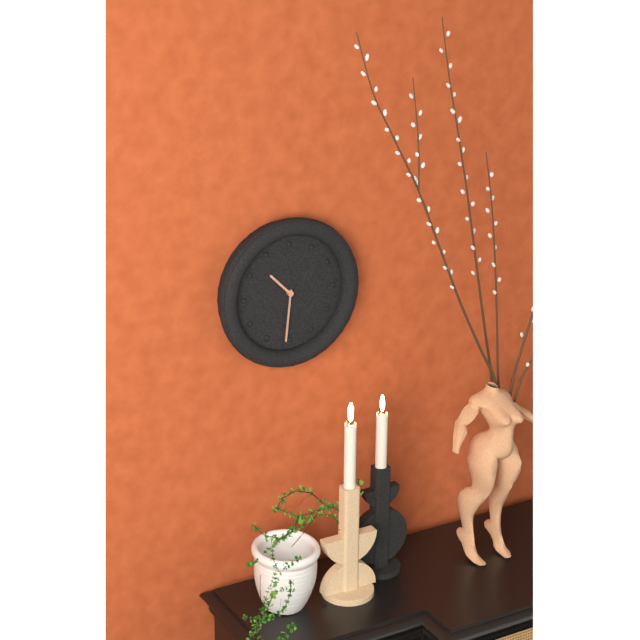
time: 10:31
